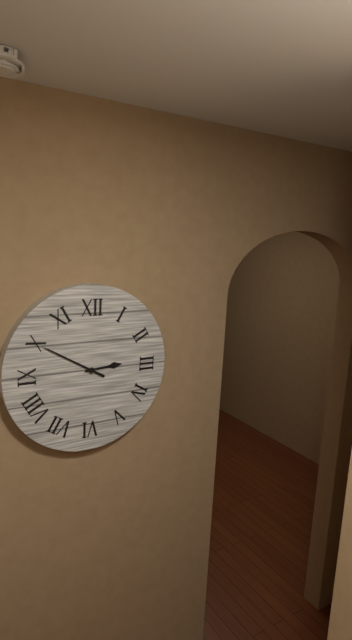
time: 2:50
